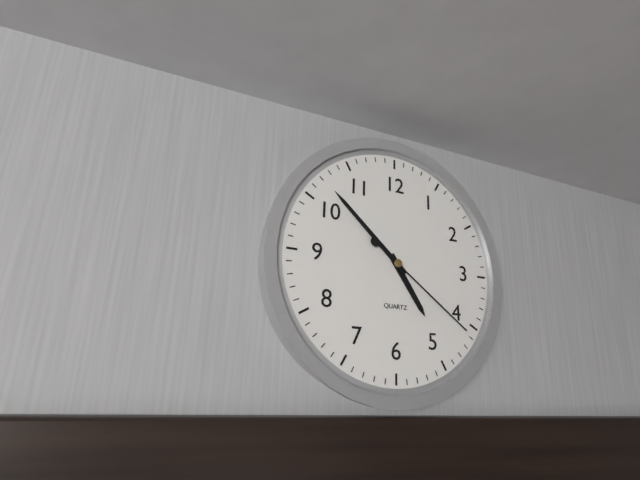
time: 4:52:21
